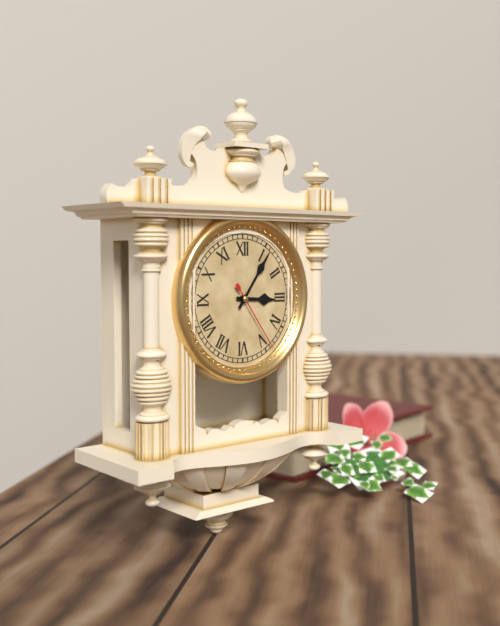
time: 3:06:24
